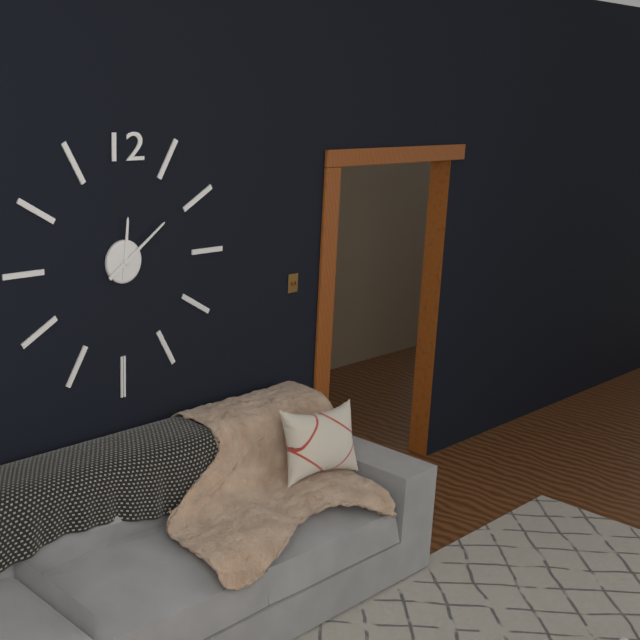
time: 12:09
